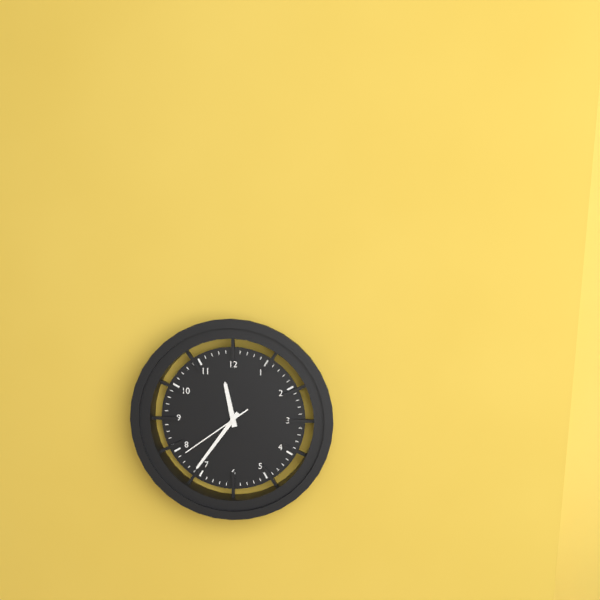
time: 11:36:39
